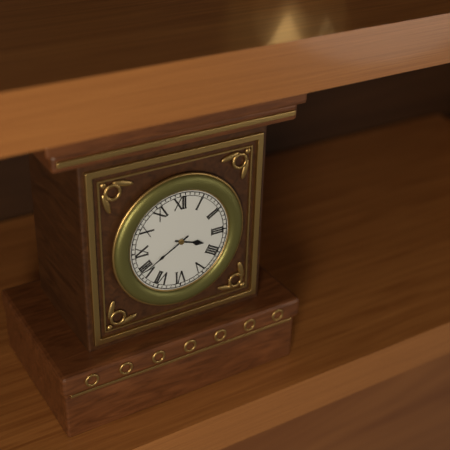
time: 3:40
